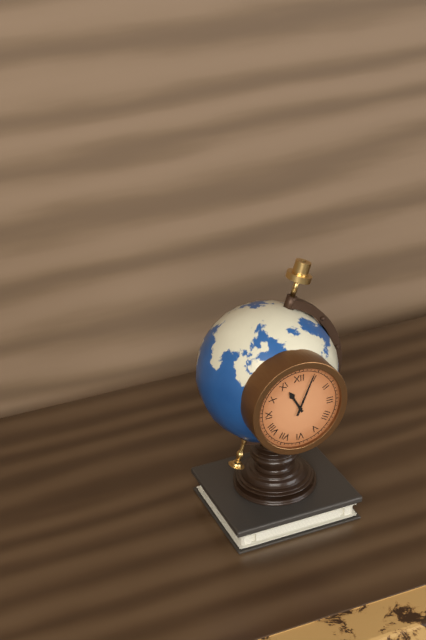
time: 11:04
